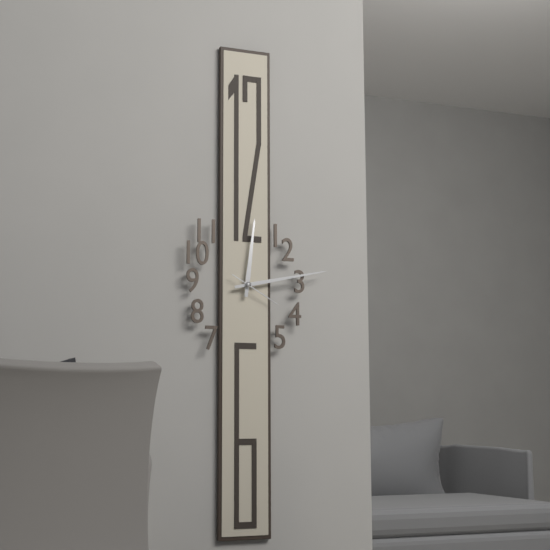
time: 12:13
